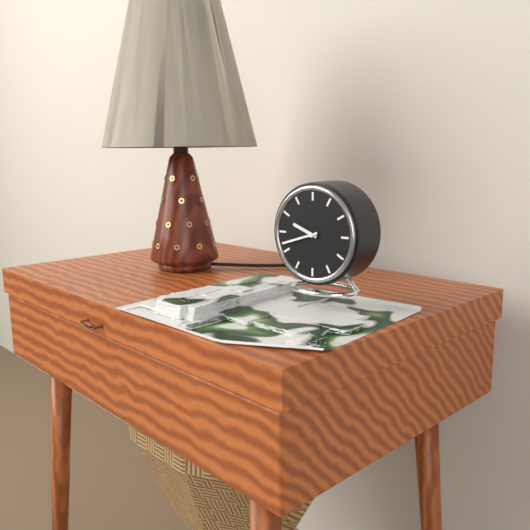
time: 9:42
